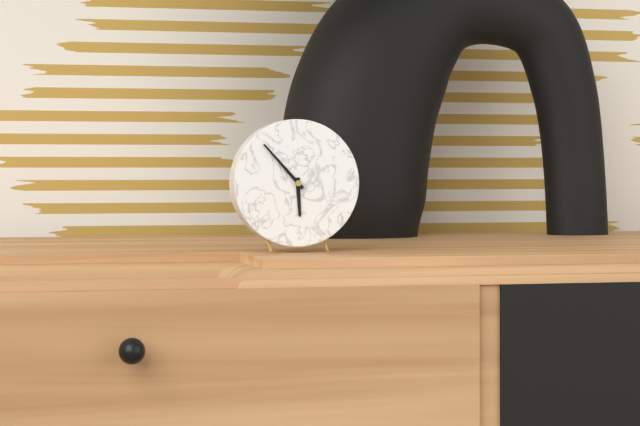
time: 5:53
